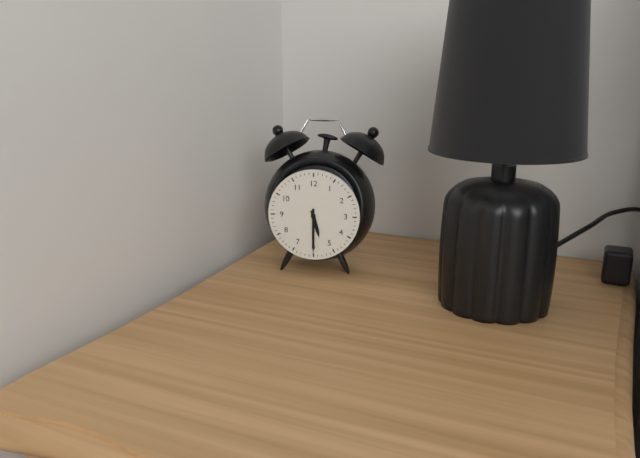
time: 5:30
